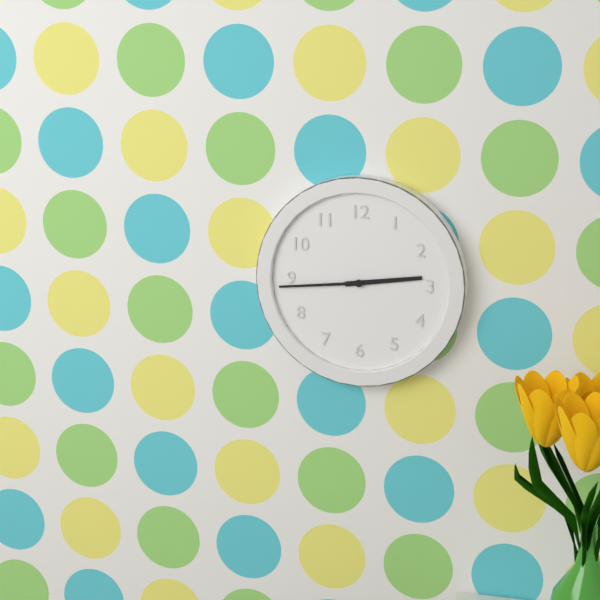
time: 2:44
